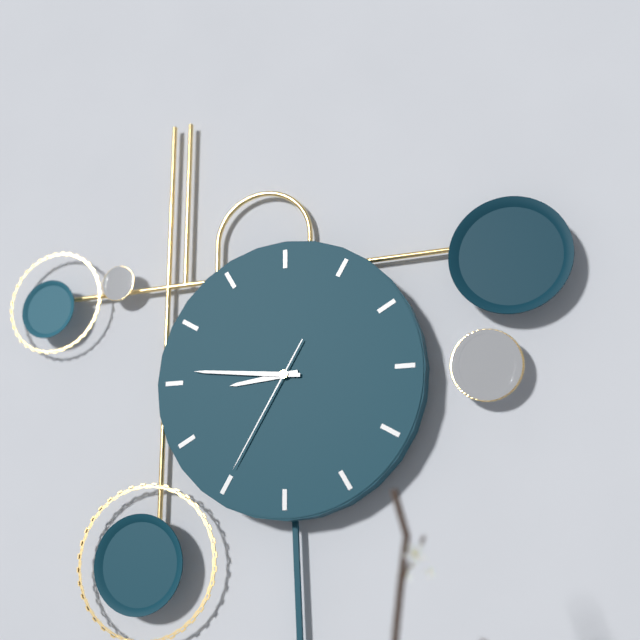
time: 8:46:35
